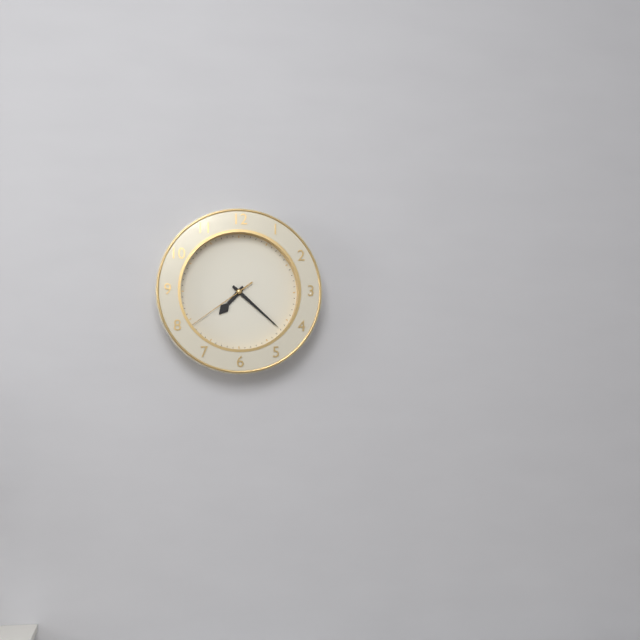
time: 7:22:39
